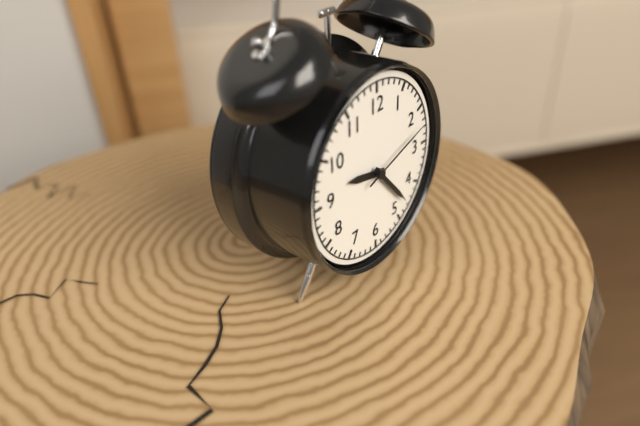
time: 9:23:12
